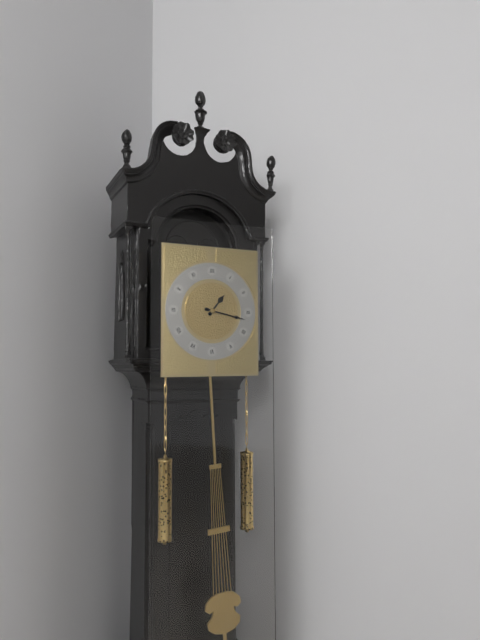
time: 1:17
